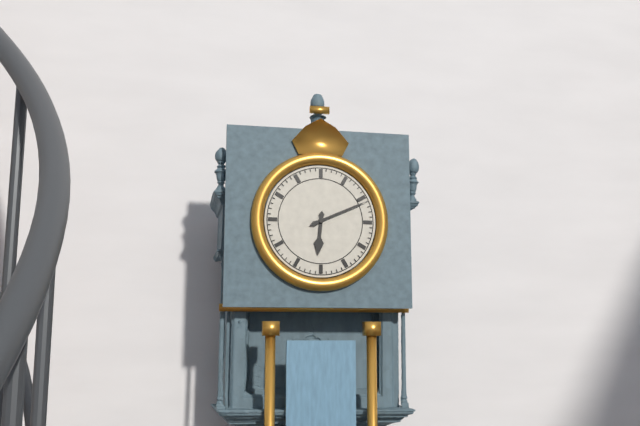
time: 6:11
